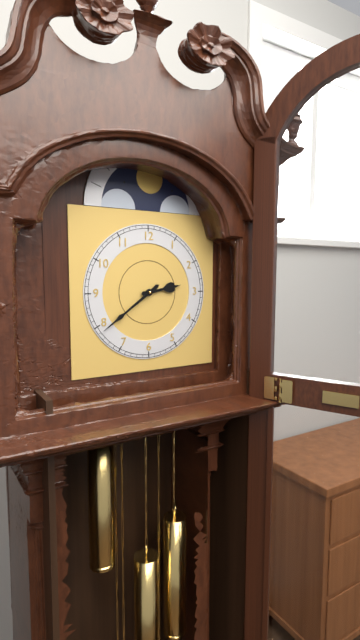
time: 2:39
